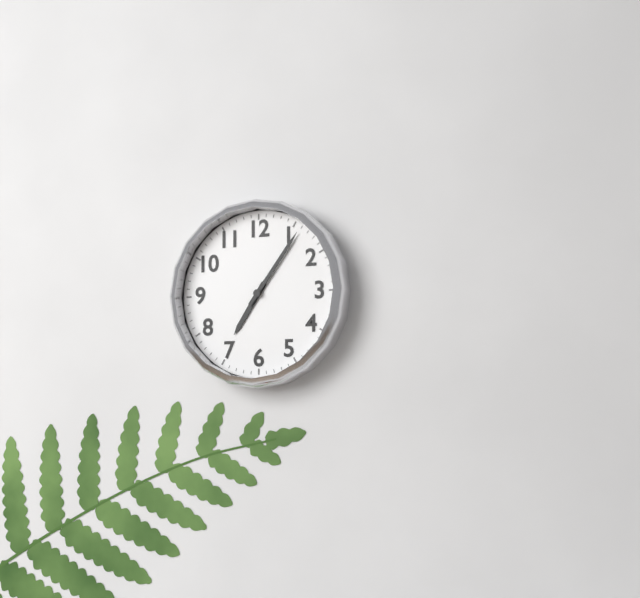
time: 7:06
